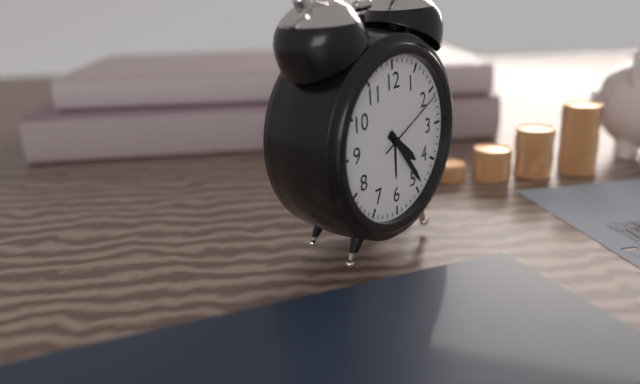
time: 4:24:11
